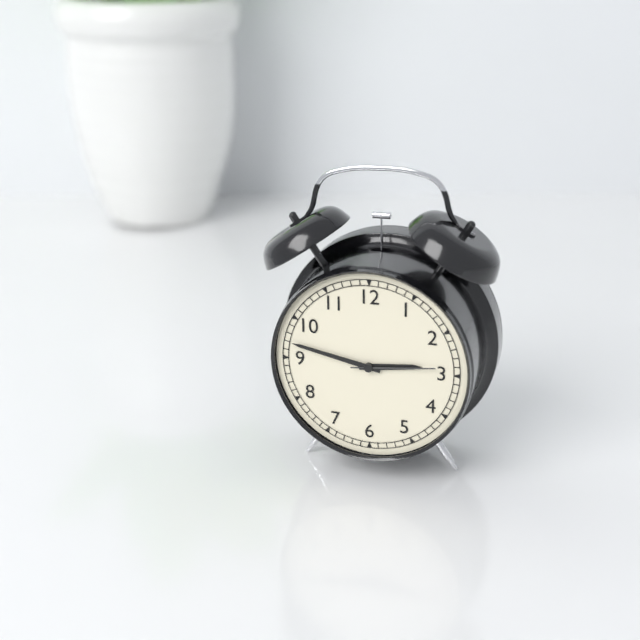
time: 2:47:14
